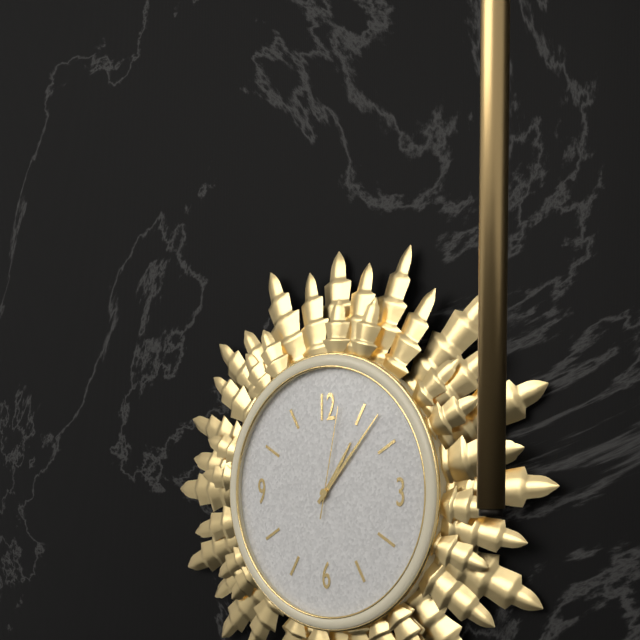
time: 1:07:02
